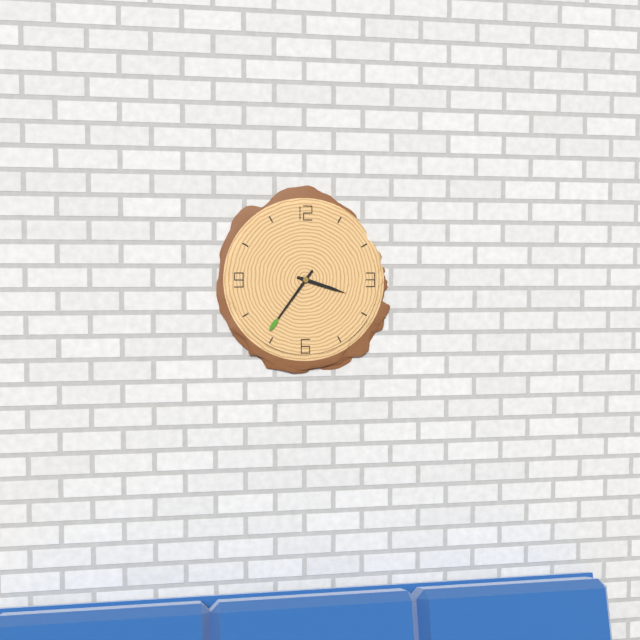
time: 3:36
